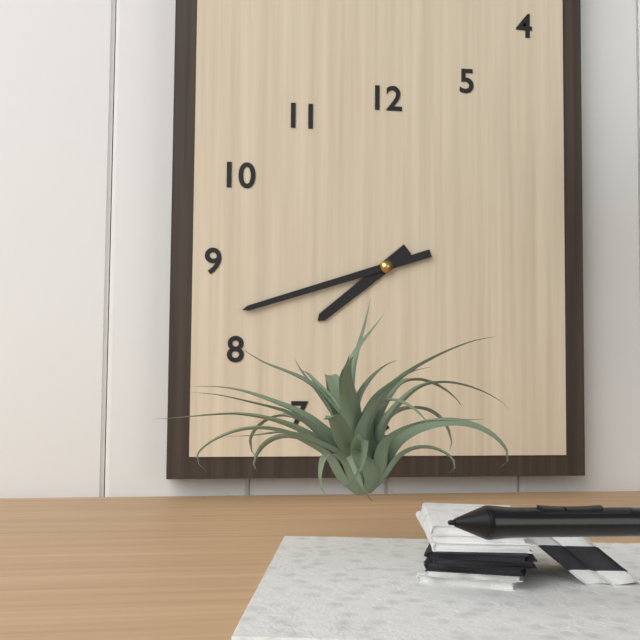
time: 7:42
